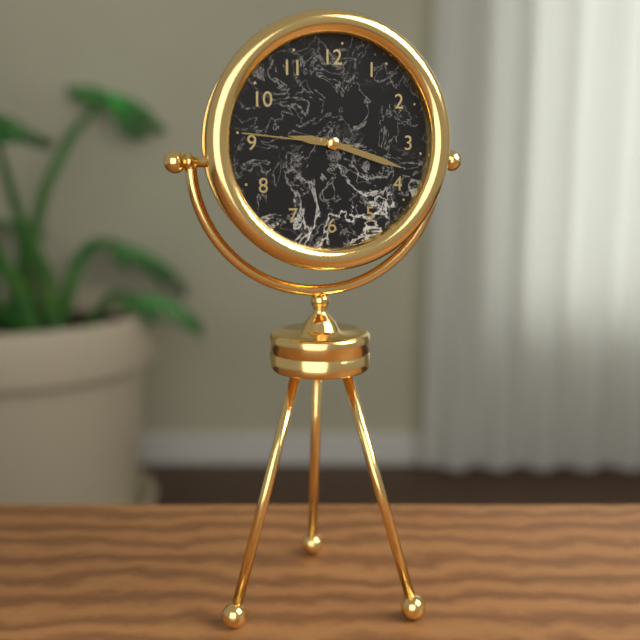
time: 9:18:46
